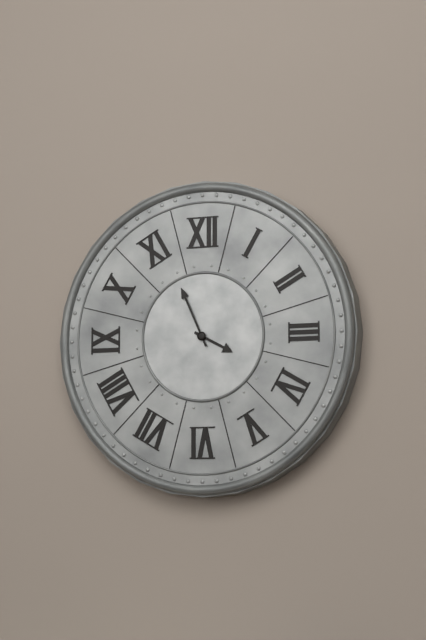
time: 3:56
